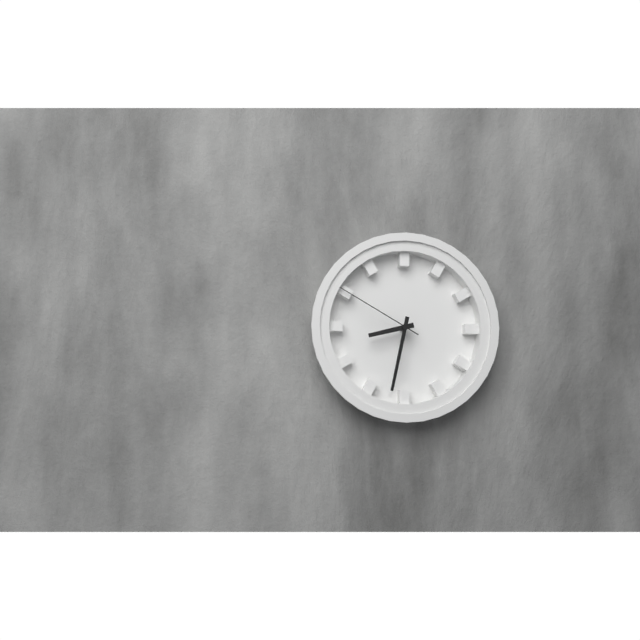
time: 8:32:50
